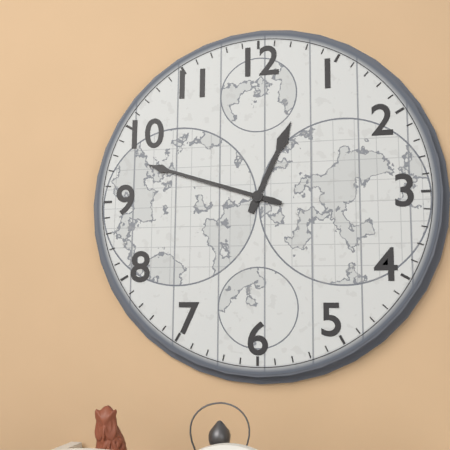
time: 12:48
